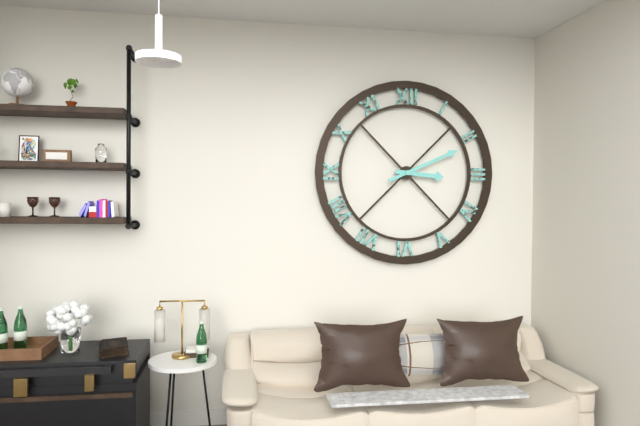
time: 3:11
